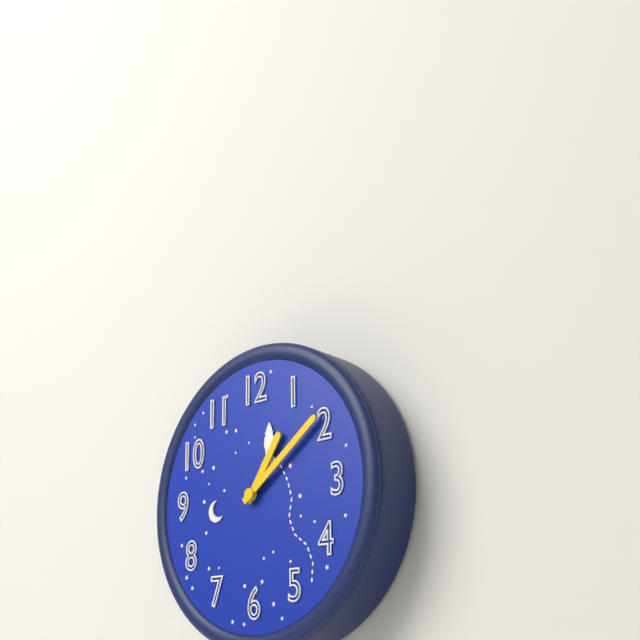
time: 1:09
